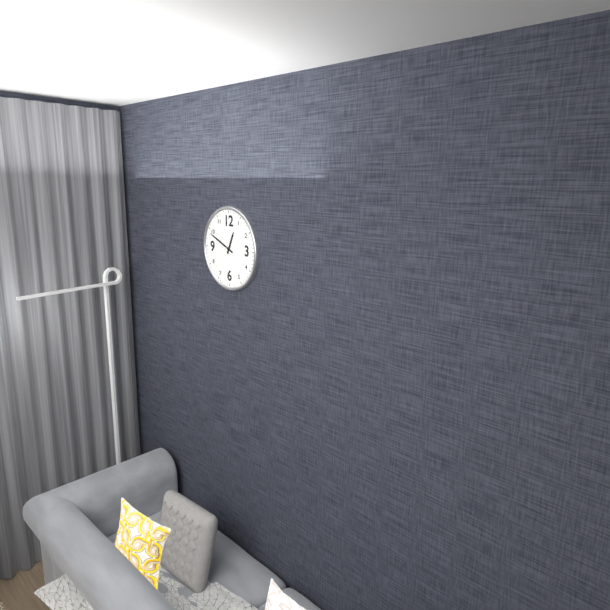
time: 12:49
